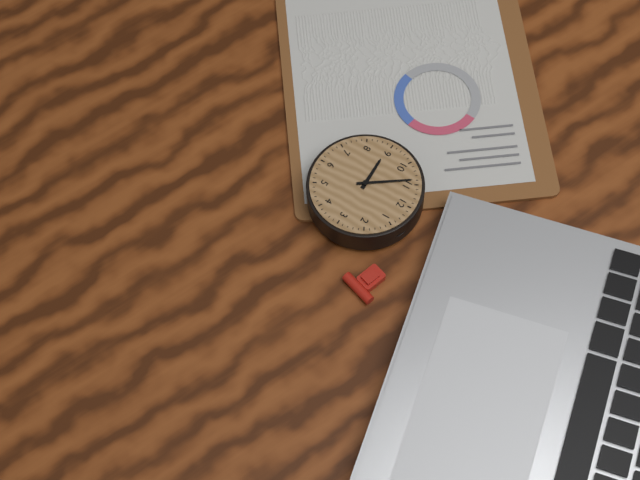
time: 8:54
